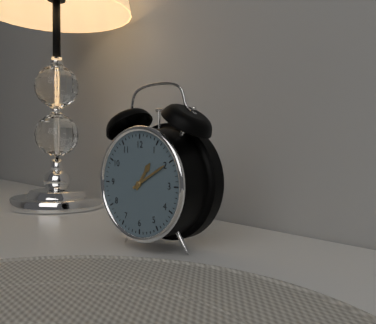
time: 1:10
